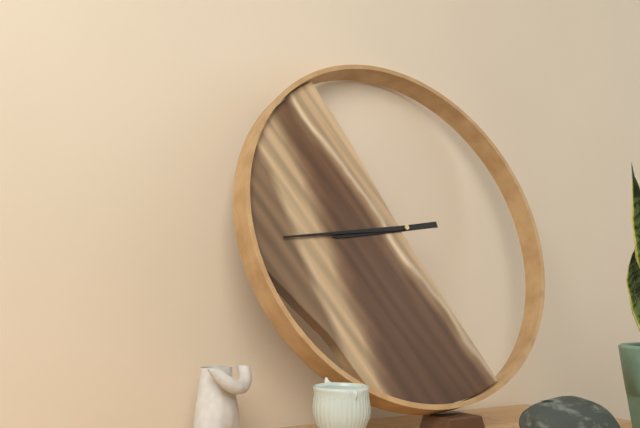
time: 8:44
